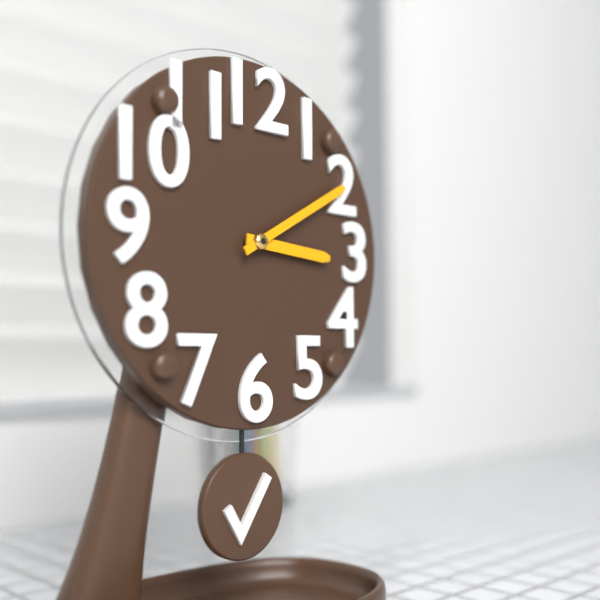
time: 3:10
